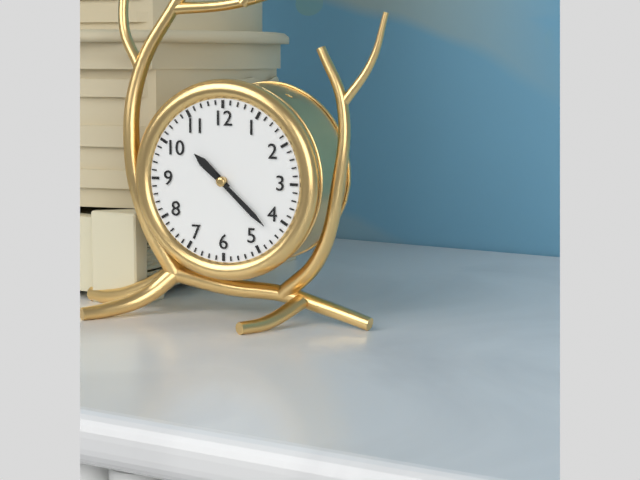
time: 10:22
